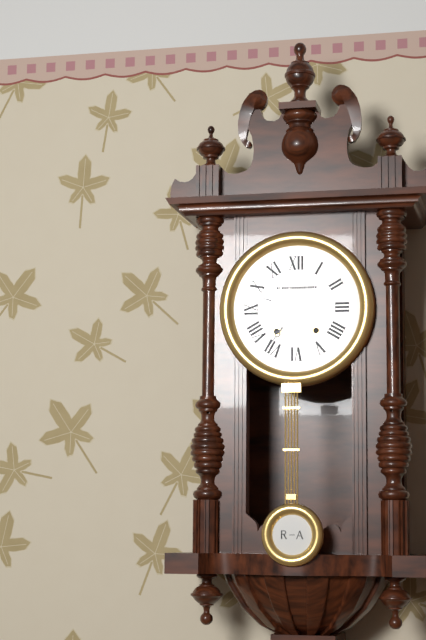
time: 9:36
